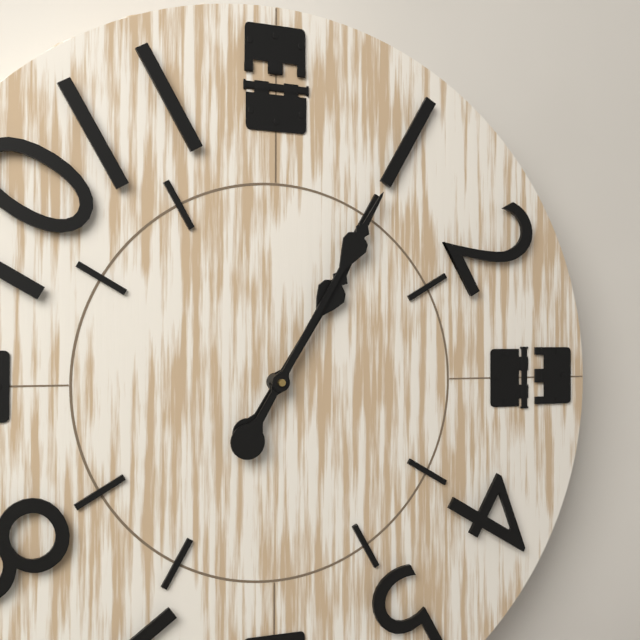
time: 1:05
